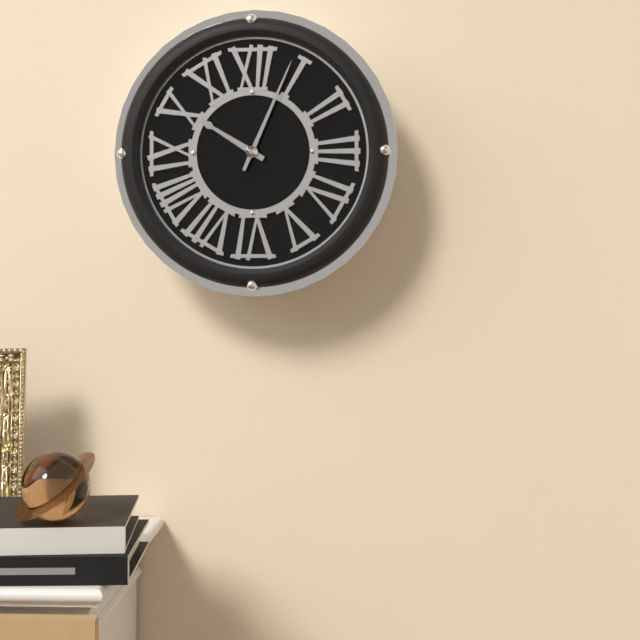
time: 10:04
